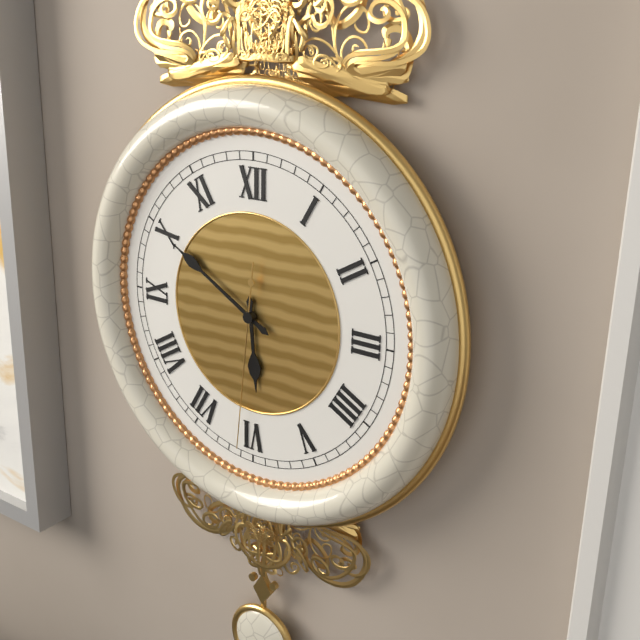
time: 5:50:31
